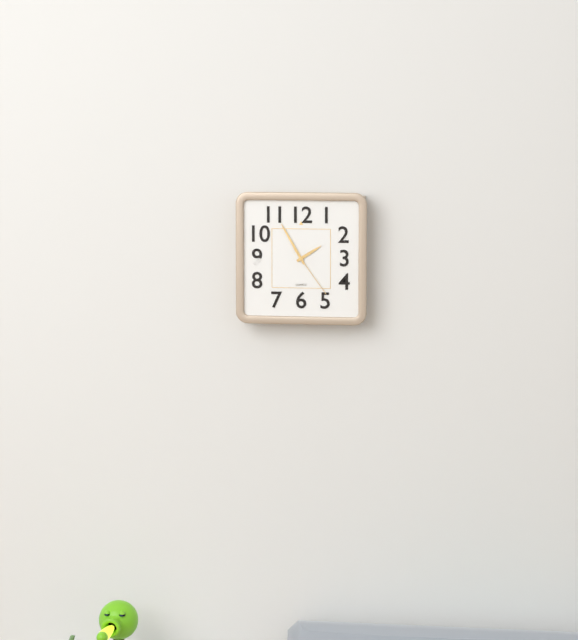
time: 1:55:24
